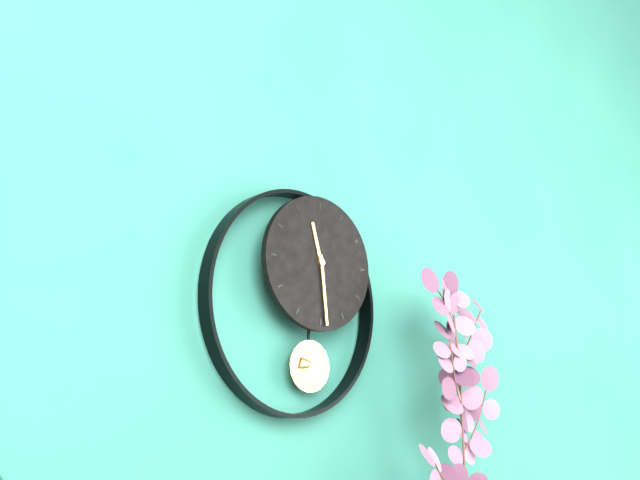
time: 11:29
